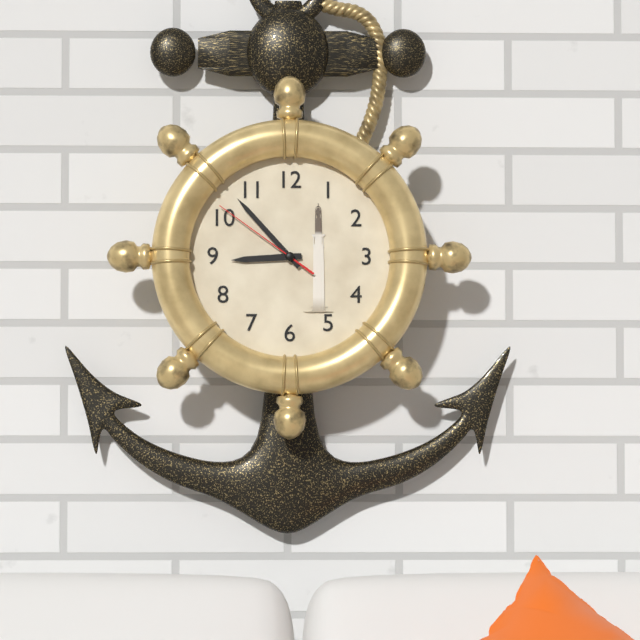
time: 8:53:51
